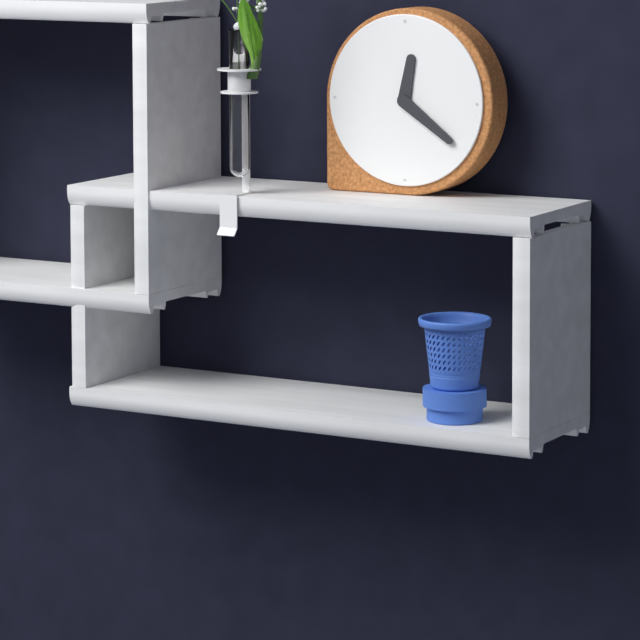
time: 12:21
